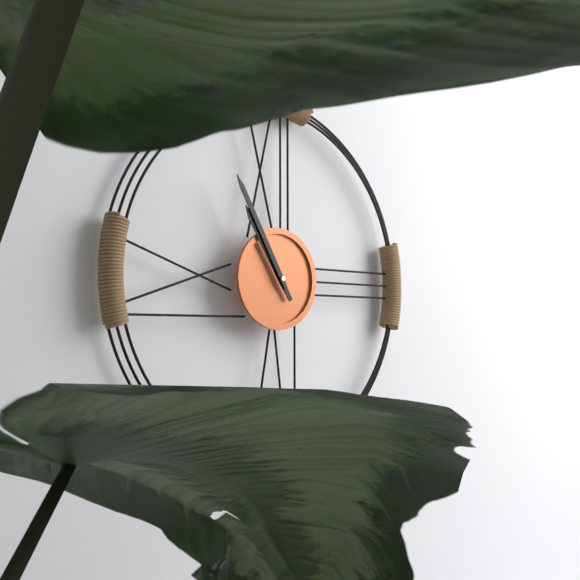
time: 10:55
